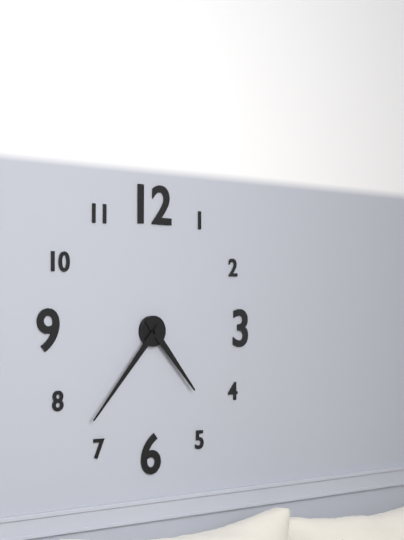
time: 4:37
